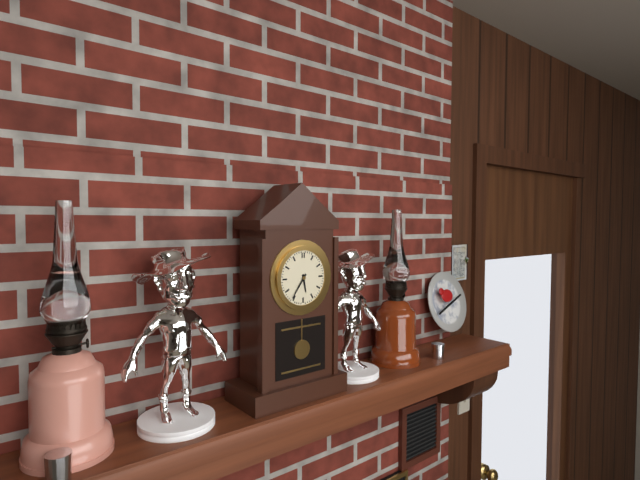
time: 5:36
